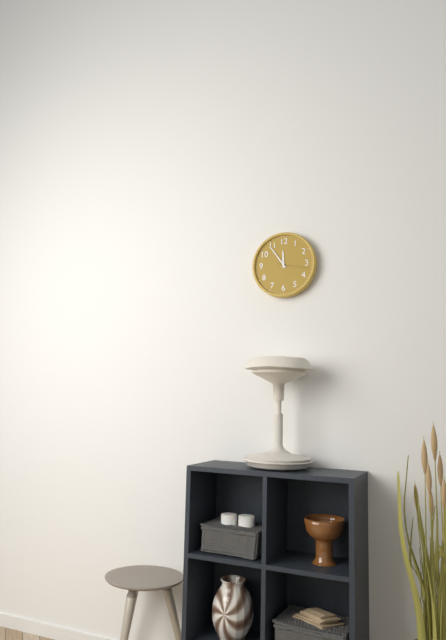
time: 11:54
